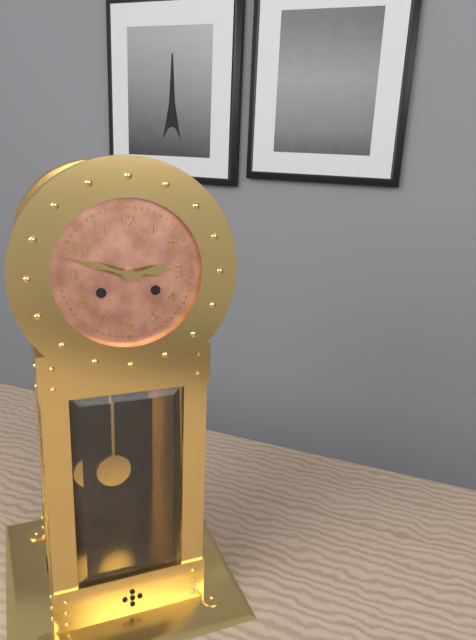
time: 2:48
